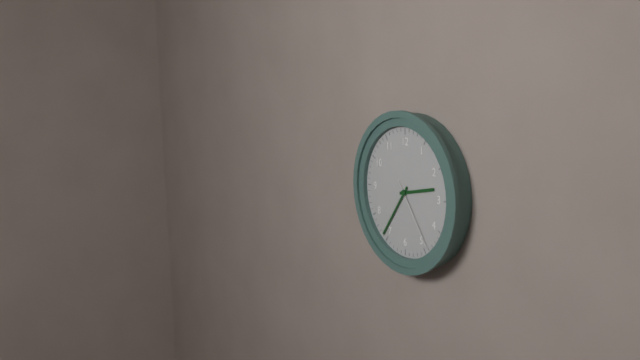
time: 2:36:24
